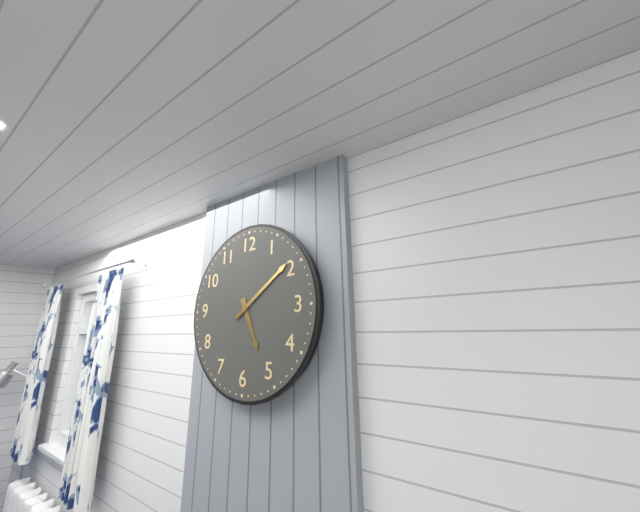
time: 5:09
